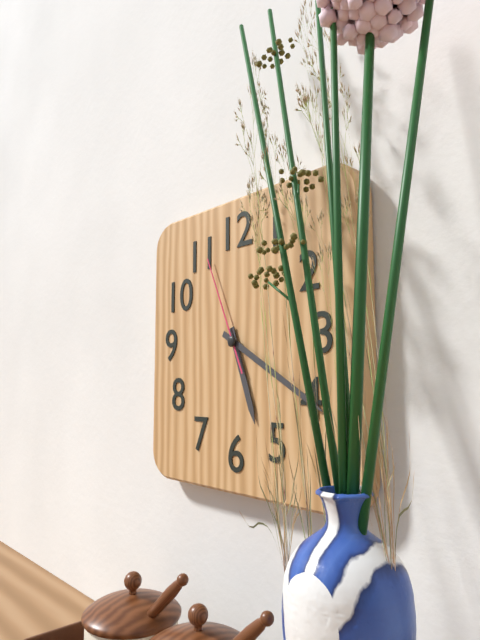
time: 5:20:56
